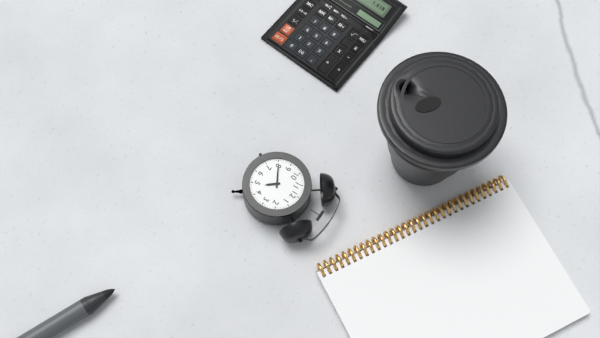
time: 4:40
